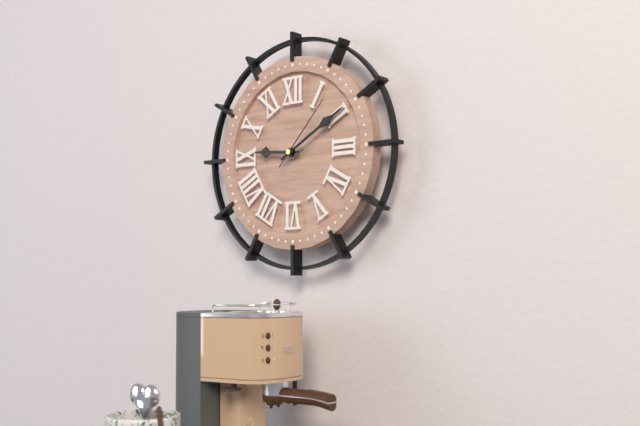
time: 9:10:07
